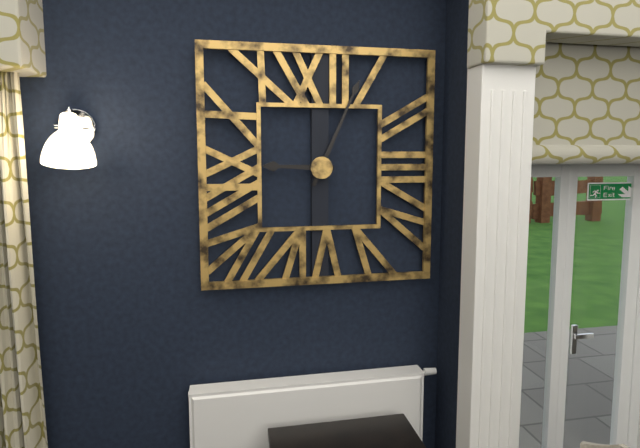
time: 9:04
